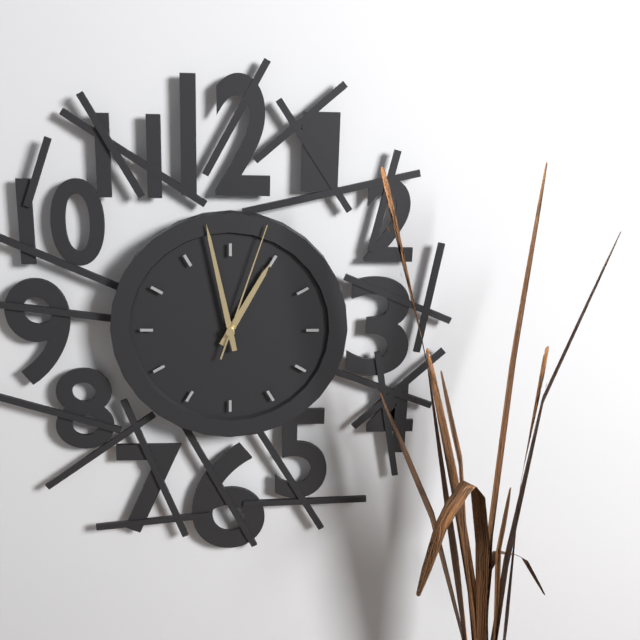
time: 12:58:03
